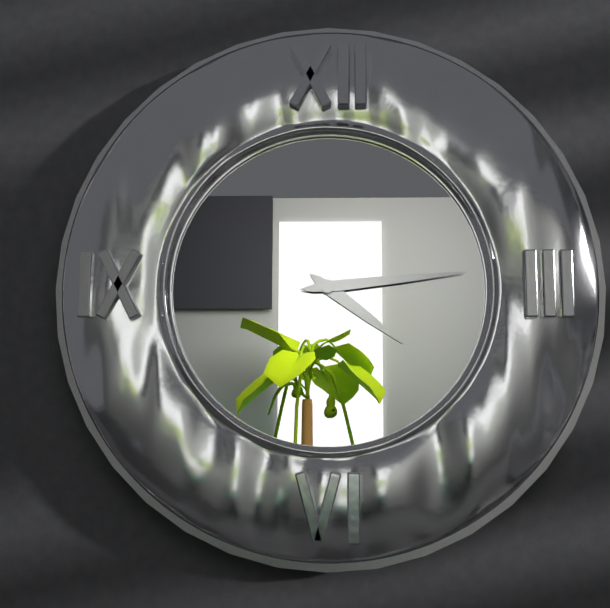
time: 4:14
